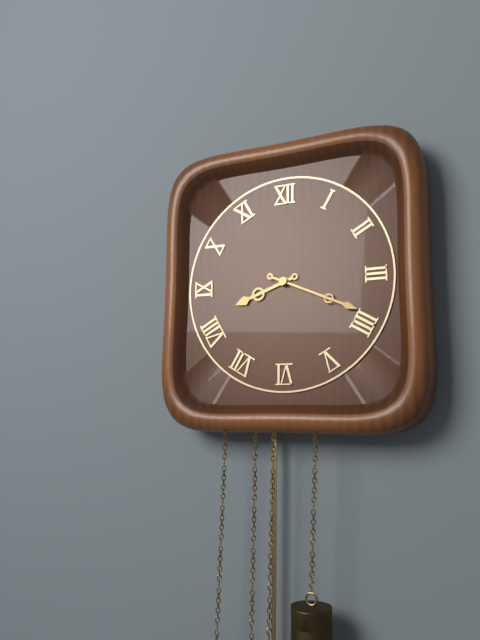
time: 8:19
